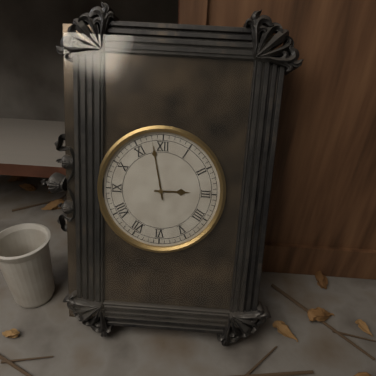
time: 2:58
